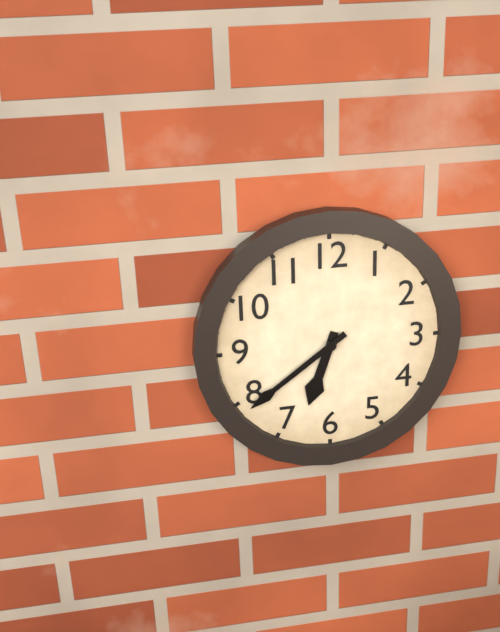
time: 6:39
